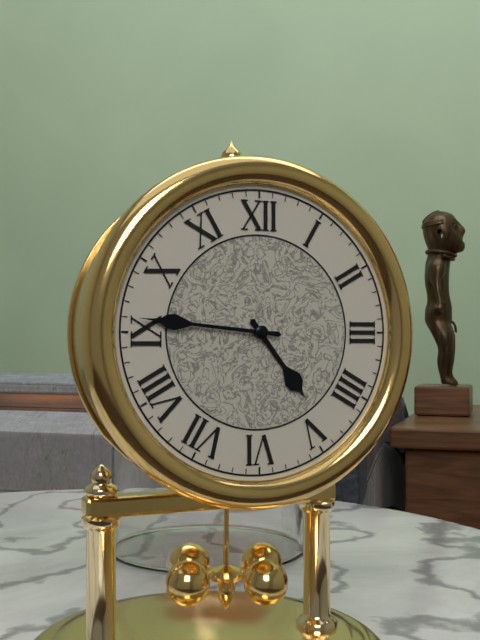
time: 4:46
